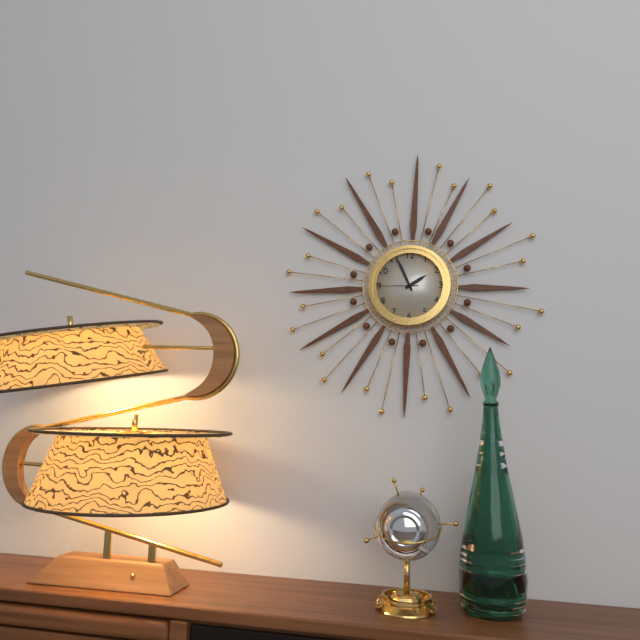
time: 1:56
